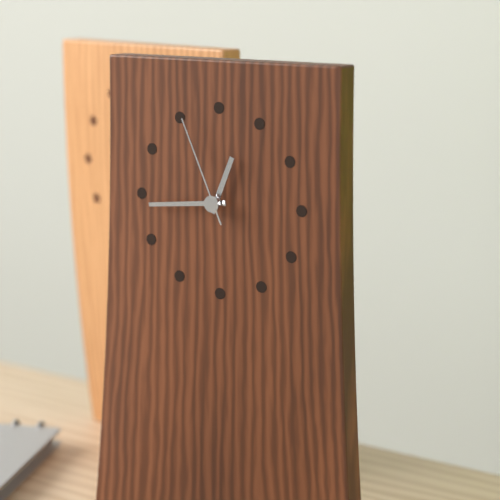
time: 12:44:56
